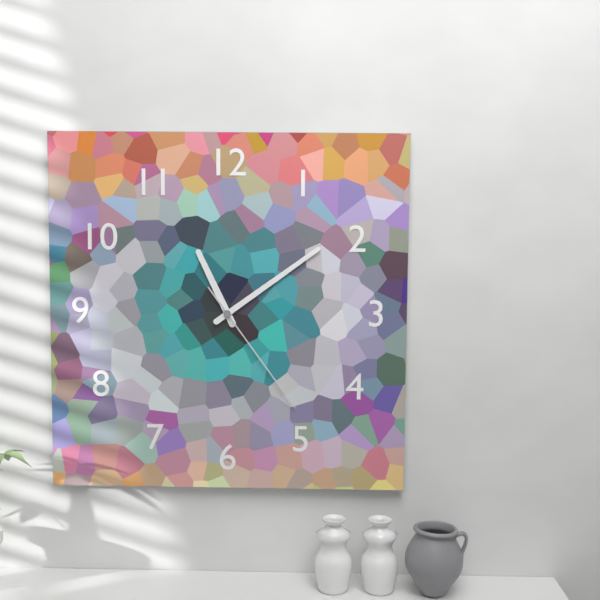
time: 11:09:24
